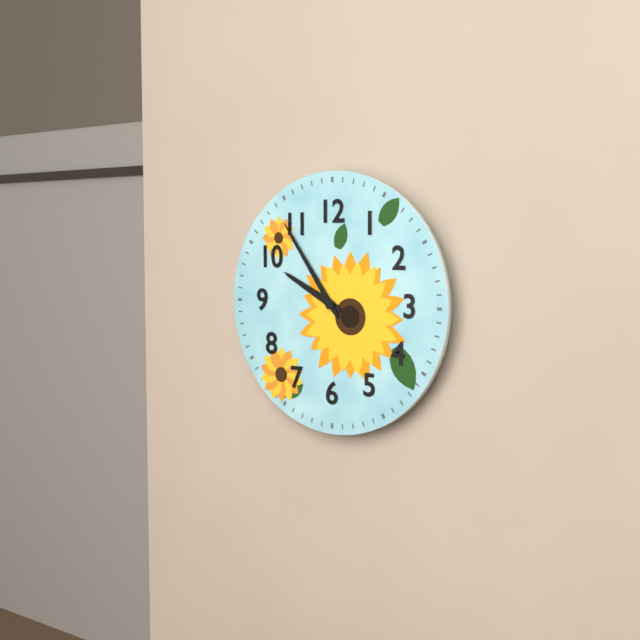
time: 9:54
